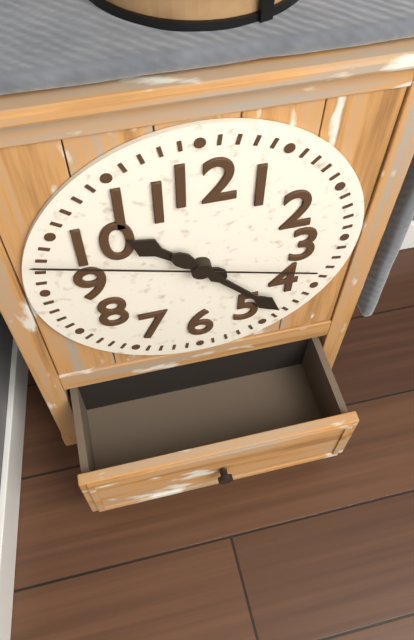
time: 10:23:48
